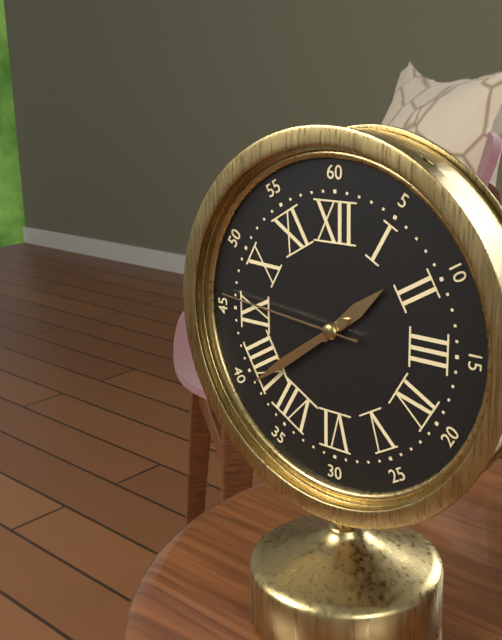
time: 1:39:46
